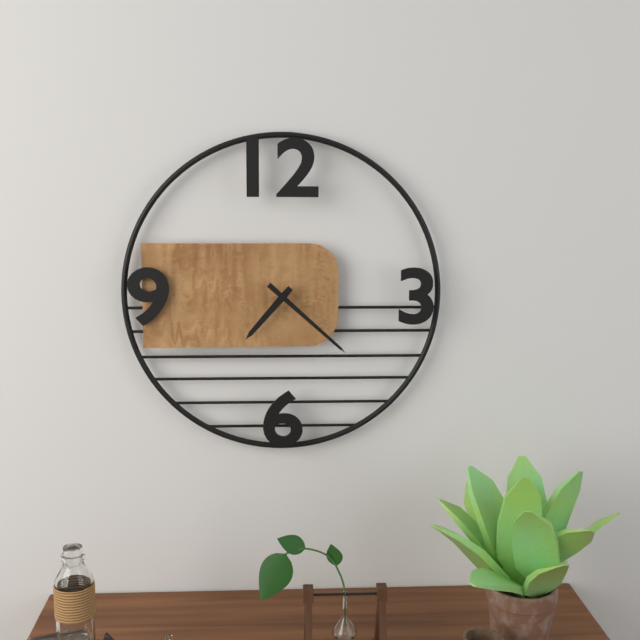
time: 7:22
